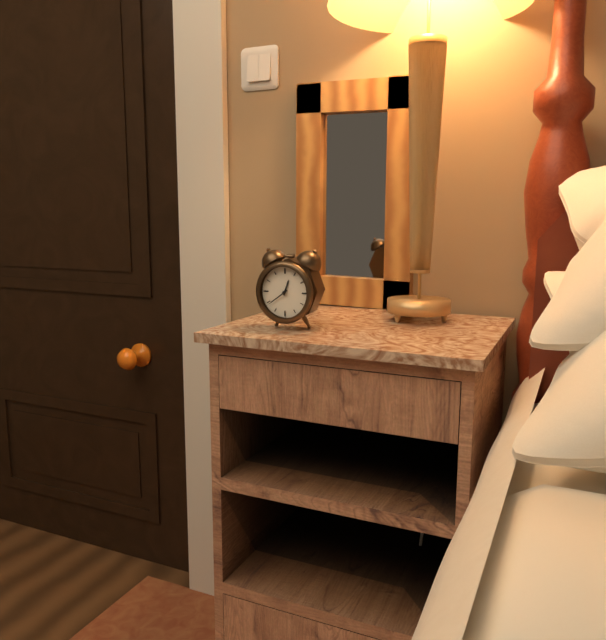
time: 12:39
